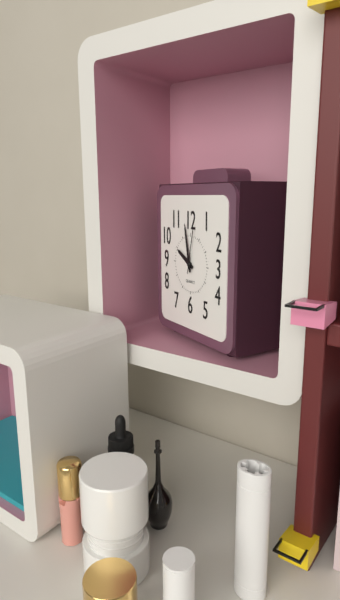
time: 9:58
